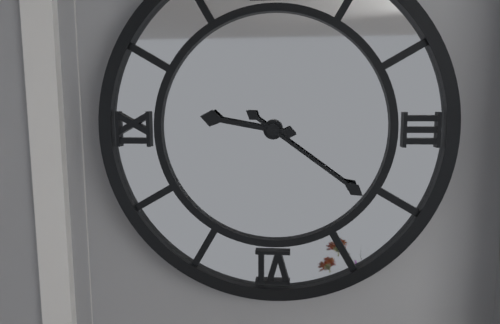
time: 9:21
